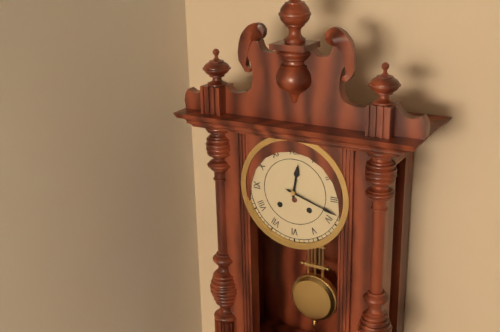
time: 12:18
